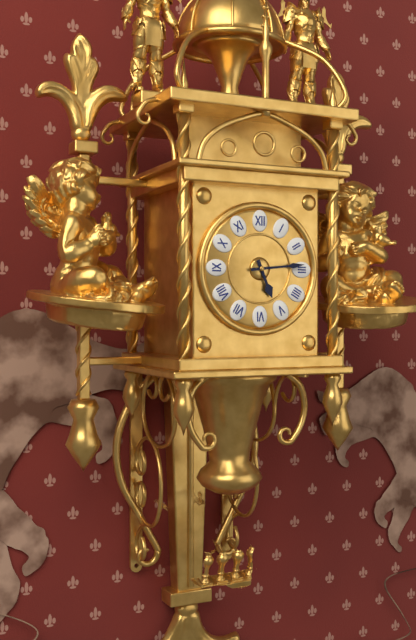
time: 5:14
